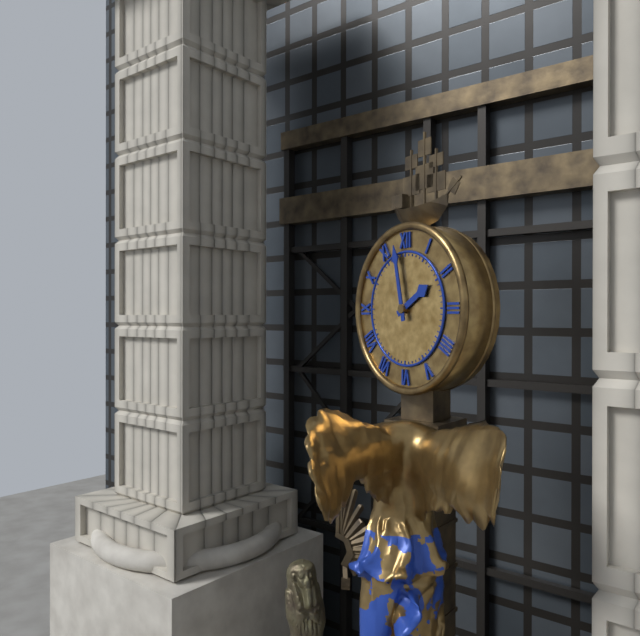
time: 1:58
